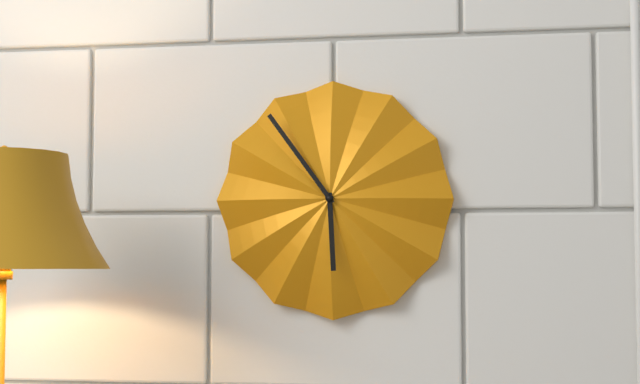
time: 5:54
